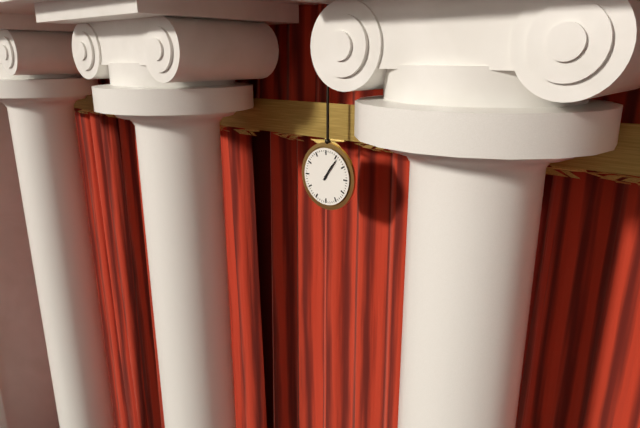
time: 1:06
